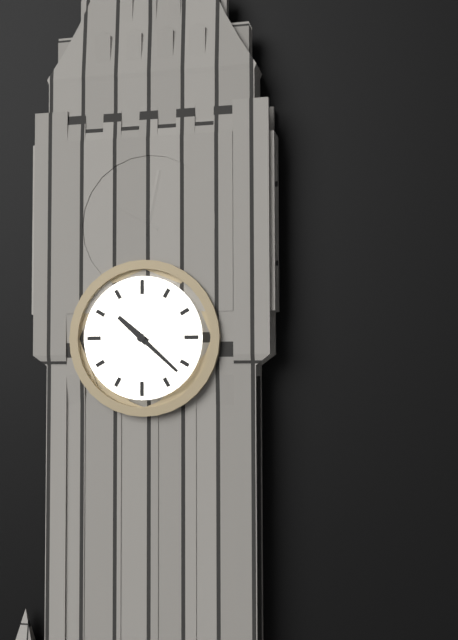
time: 10:22
